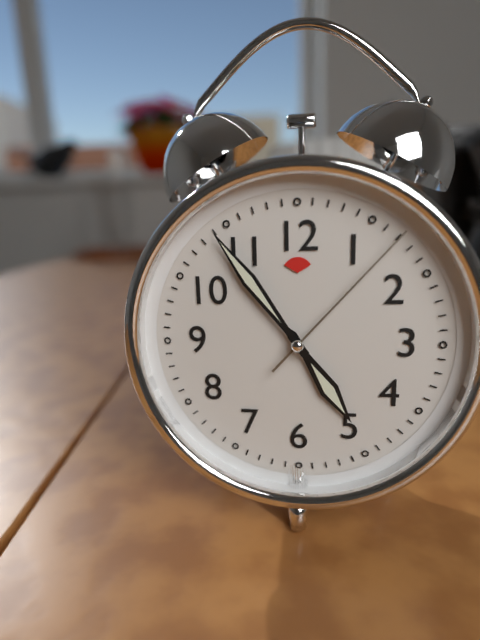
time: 4:54:07
